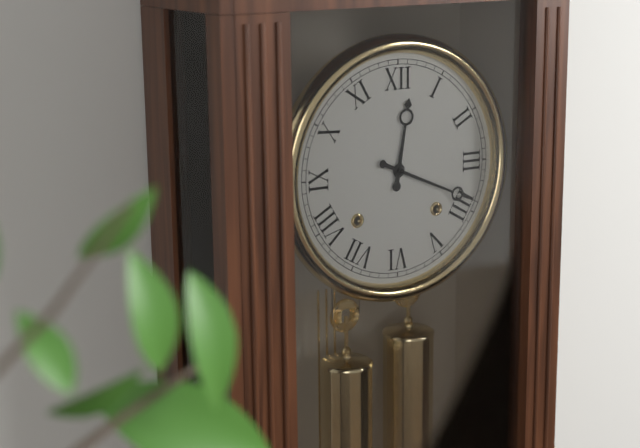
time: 12:19
